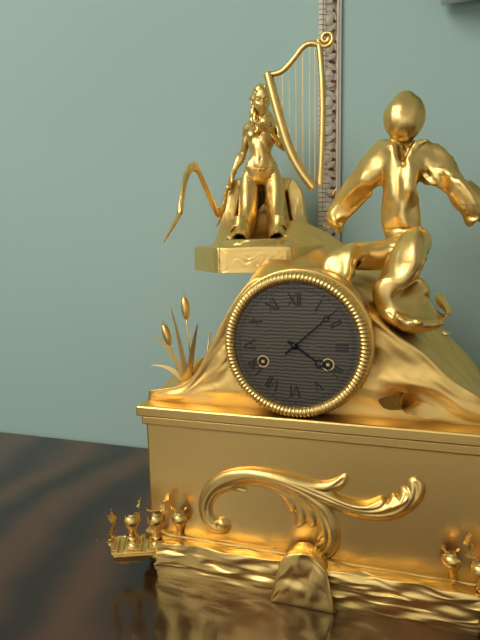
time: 4:08
